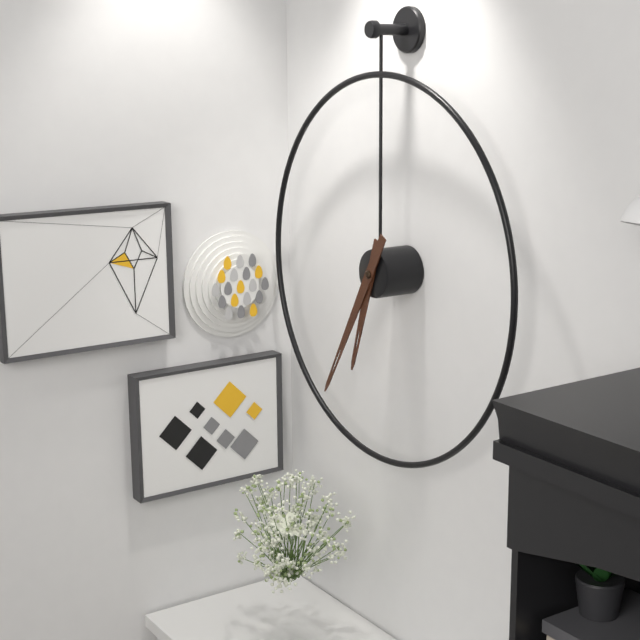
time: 6:35
